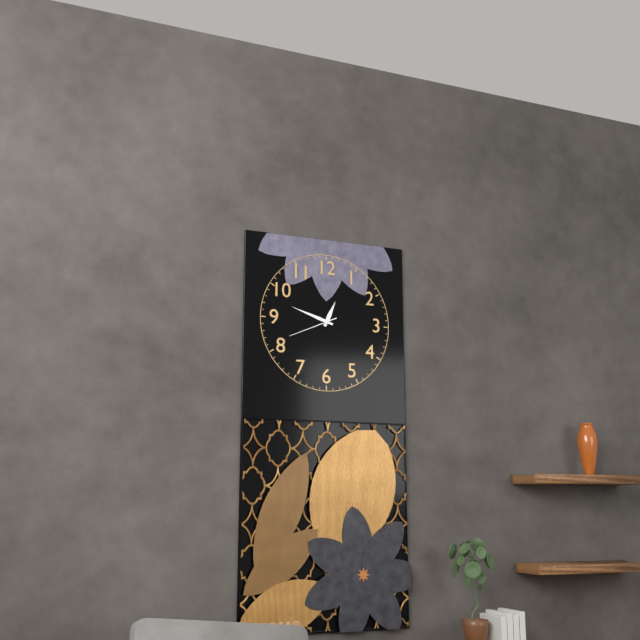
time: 12:48
